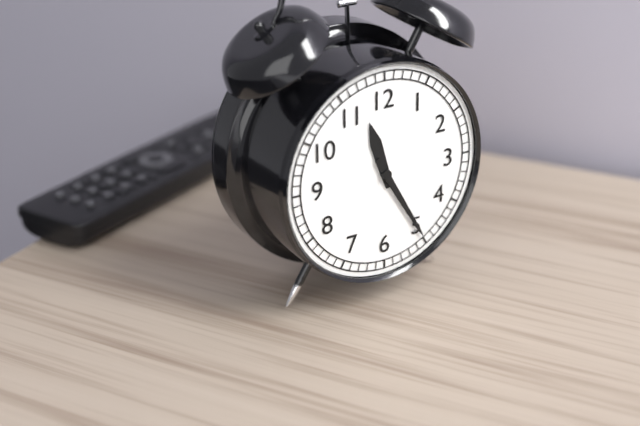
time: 11:25
